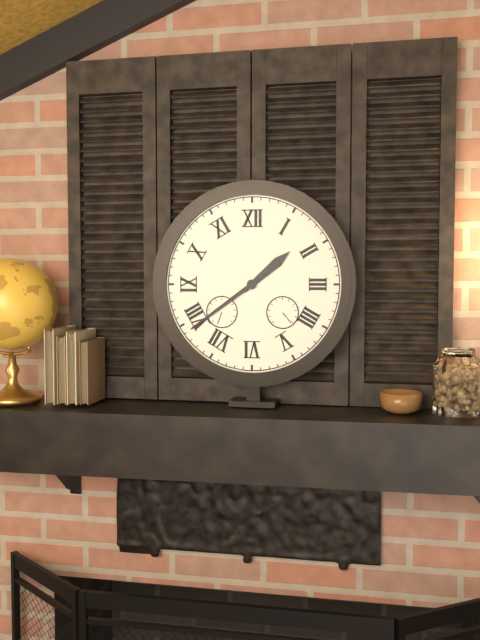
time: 1:39
